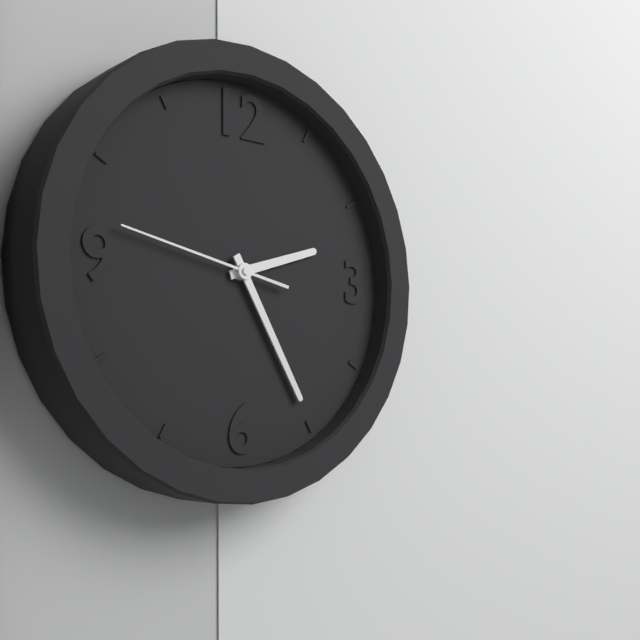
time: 2:25:47
